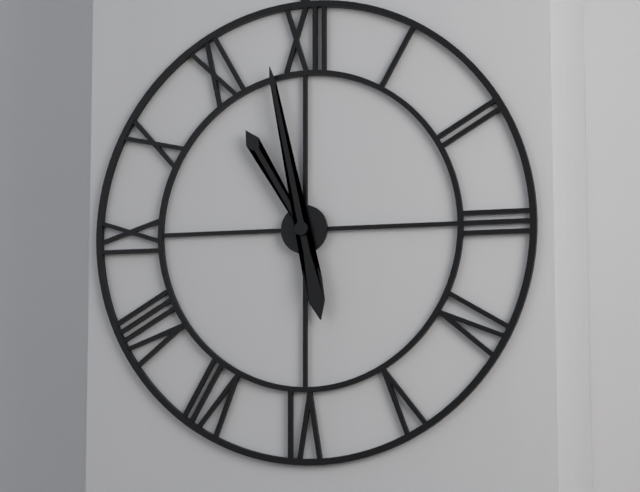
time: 10:58
